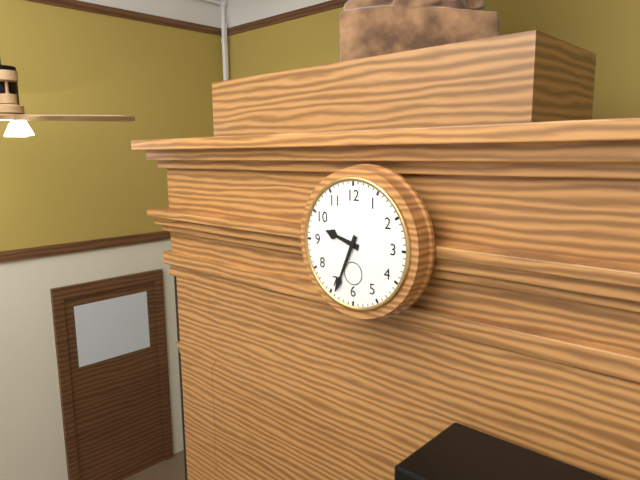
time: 9:34
